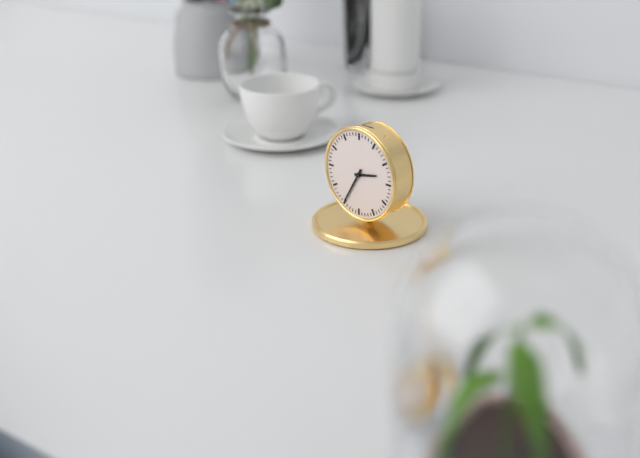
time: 2:35
